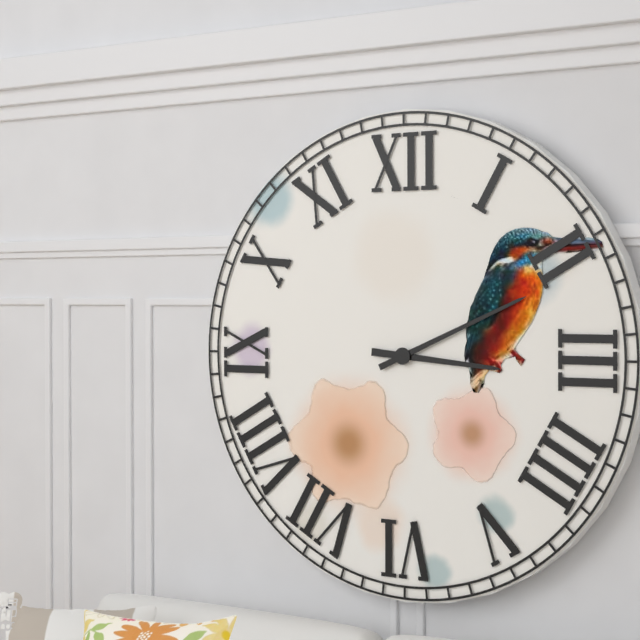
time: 3:11
